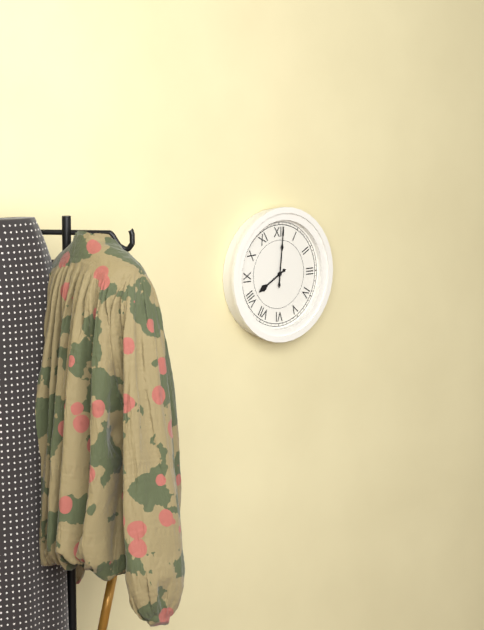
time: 8:01
